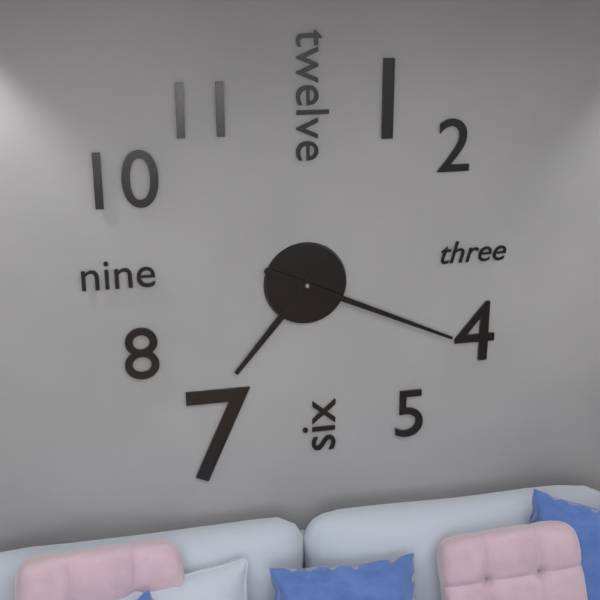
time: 7:19
